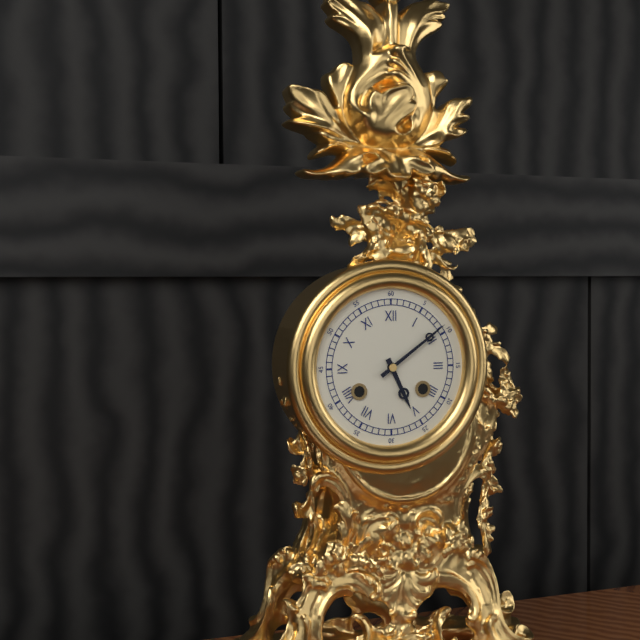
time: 5:09
